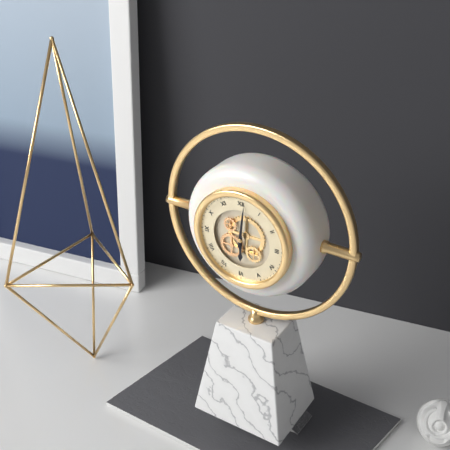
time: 6:01
